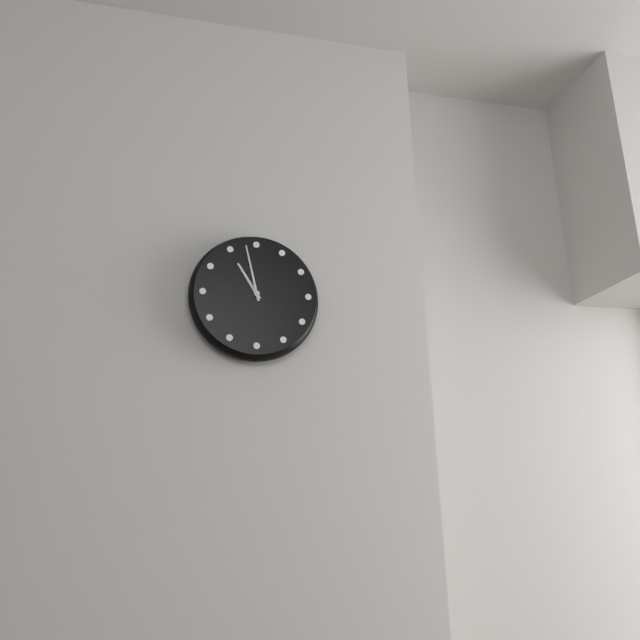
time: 10:58
